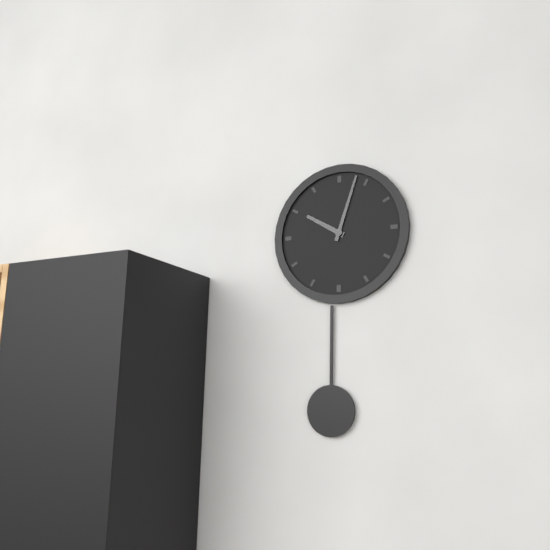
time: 10:03
